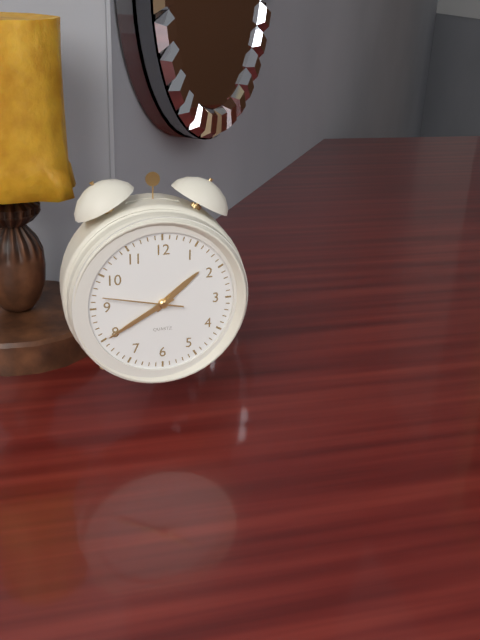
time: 1:40:47
